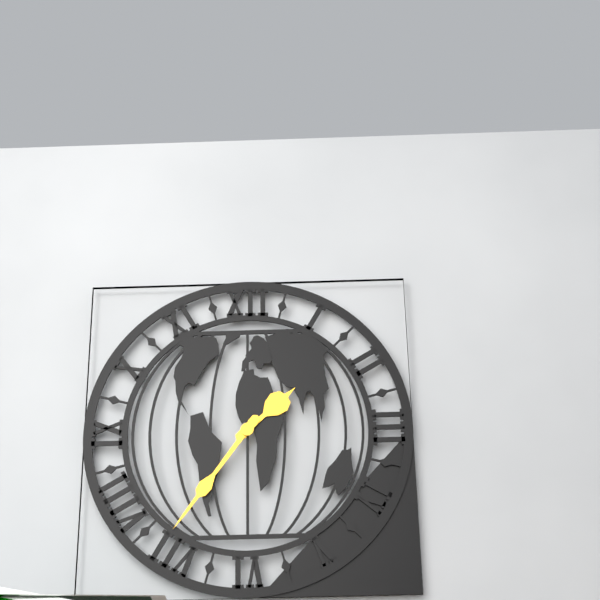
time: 1:36
